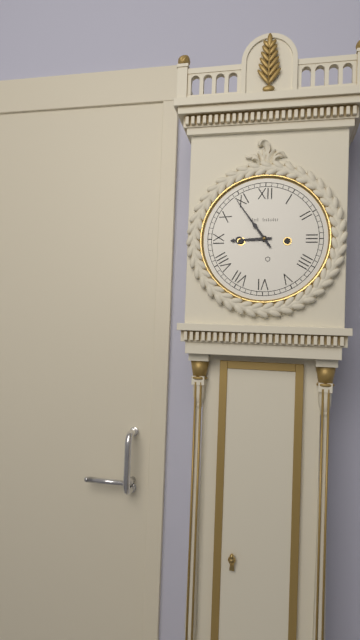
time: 8:54
